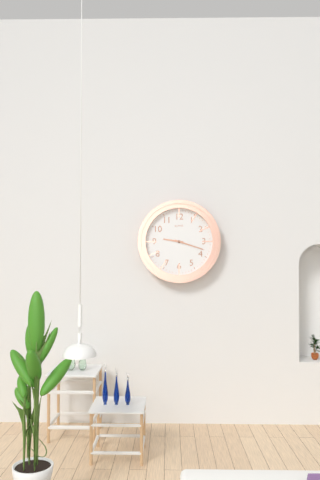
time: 9:18
